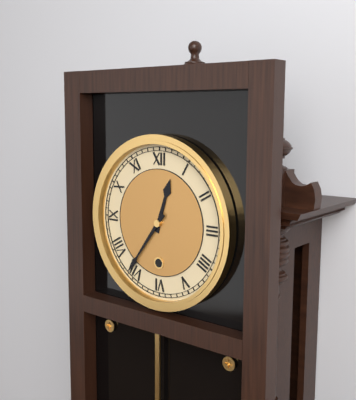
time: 12:36
